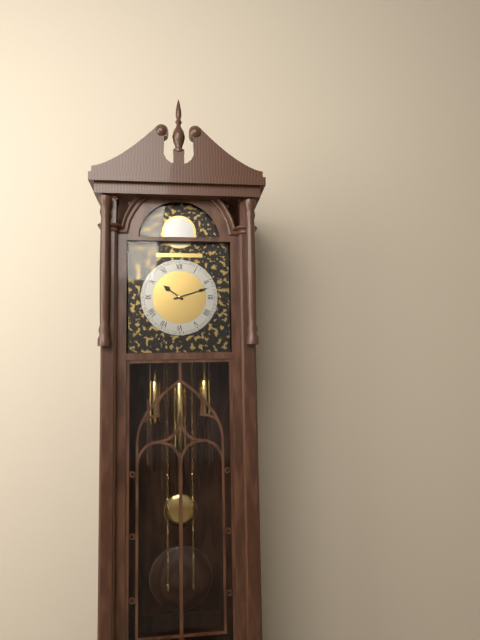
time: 10:12
